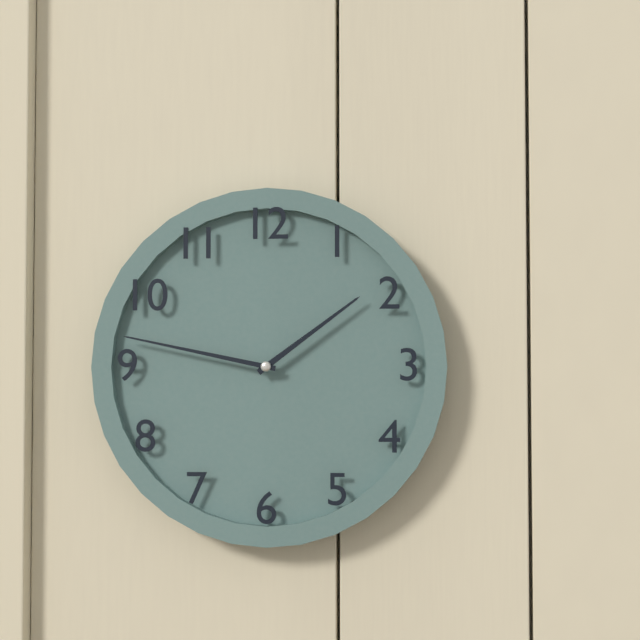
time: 1:47
